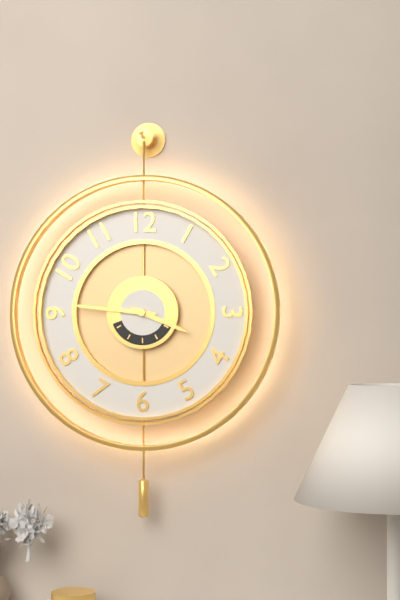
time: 3:46
